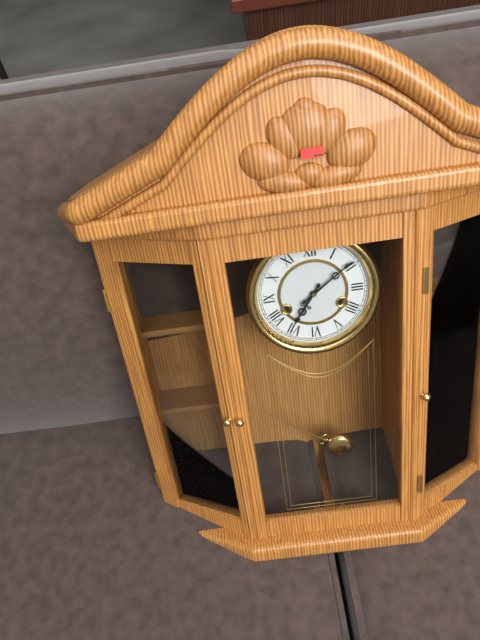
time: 7:09
